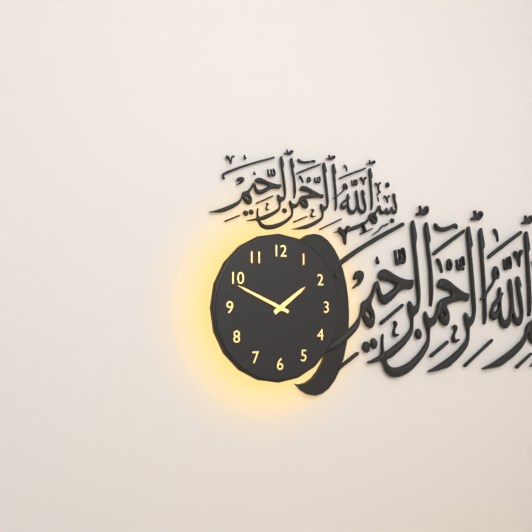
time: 1:49
